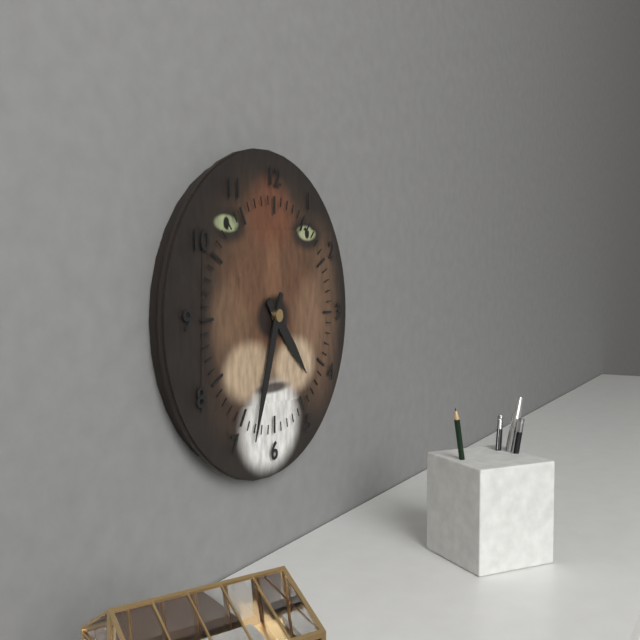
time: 4:33
